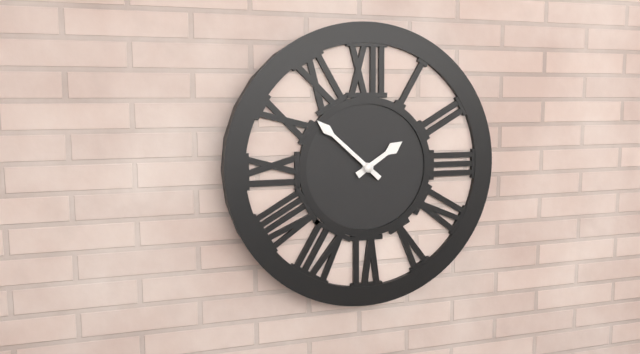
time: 1:52
